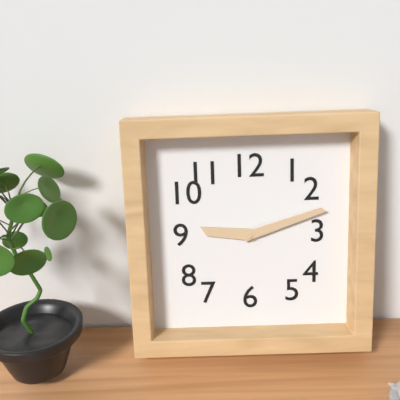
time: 9:12
